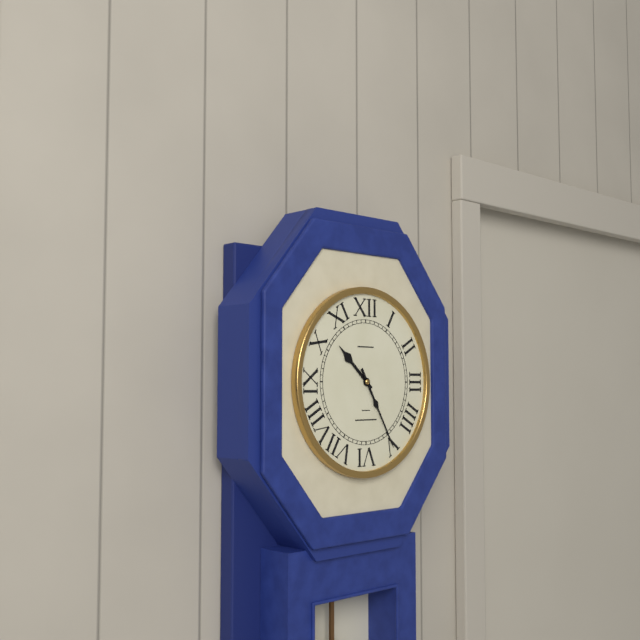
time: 10:25
